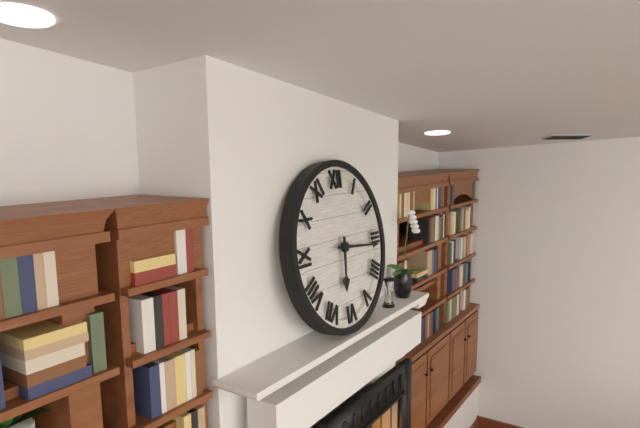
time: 6:16
